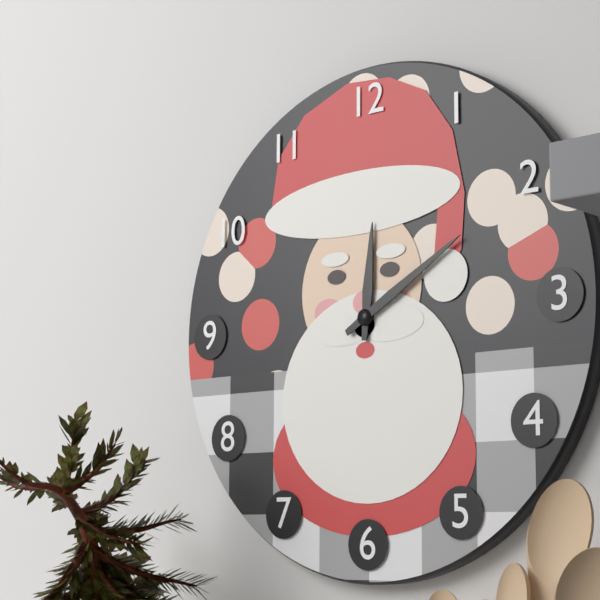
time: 12:10
